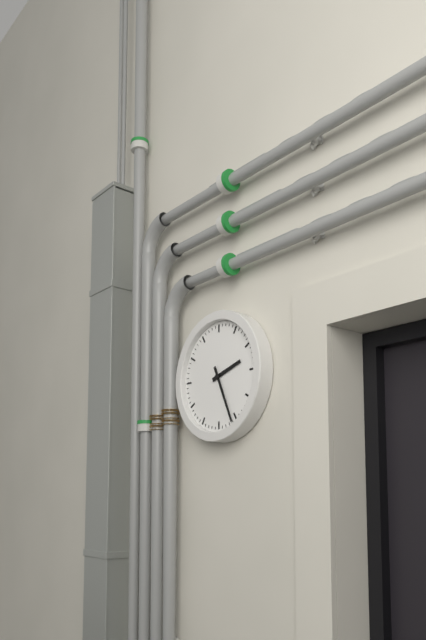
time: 2:26
